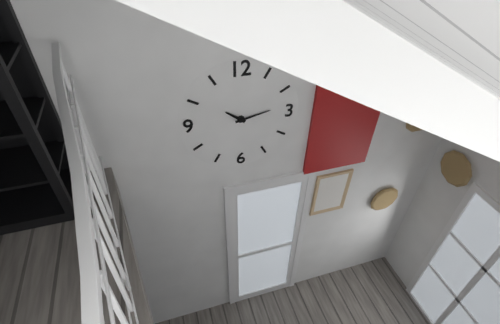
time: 10:13
